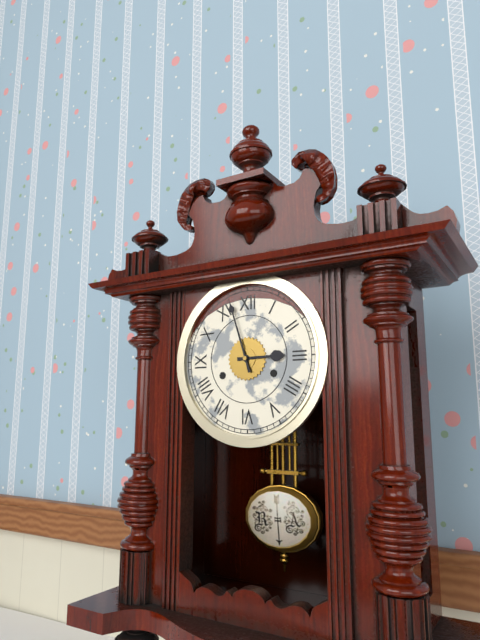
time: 2:57
